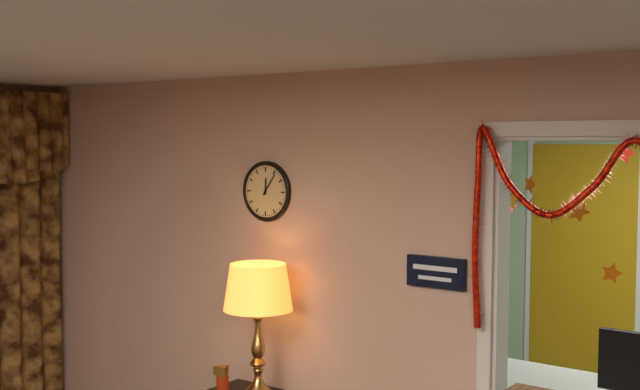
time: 12:06
